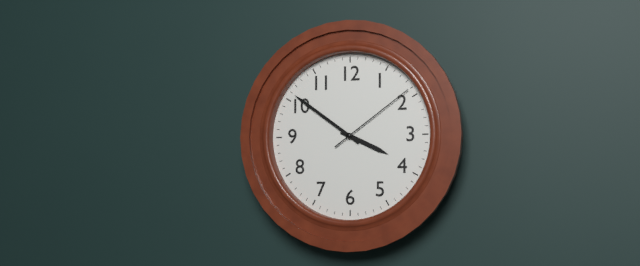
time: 3:51:09
